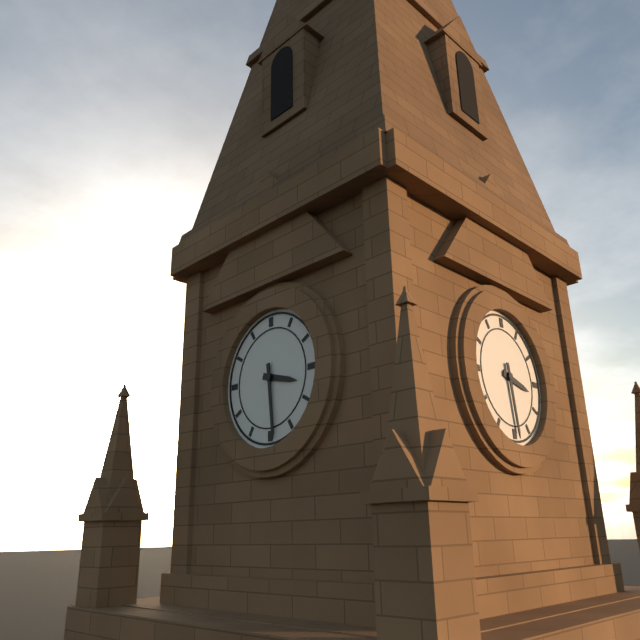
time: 3:29
